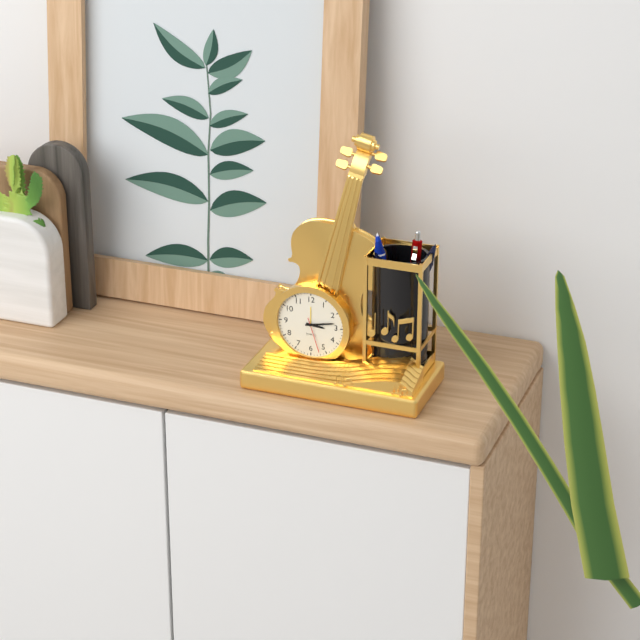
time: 3:13
